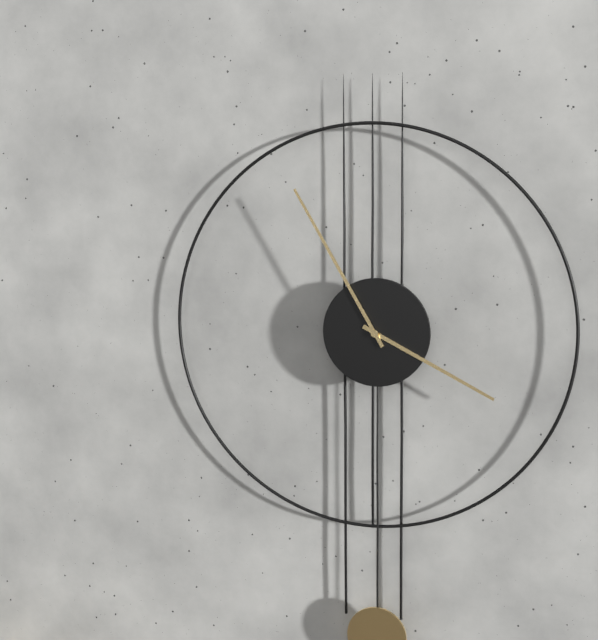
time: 3:55
